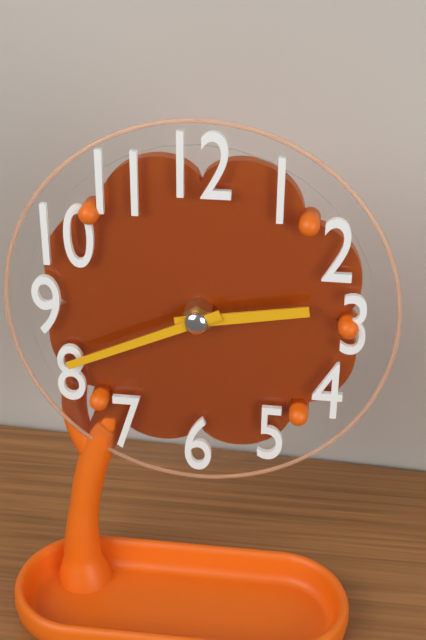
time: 2:41
